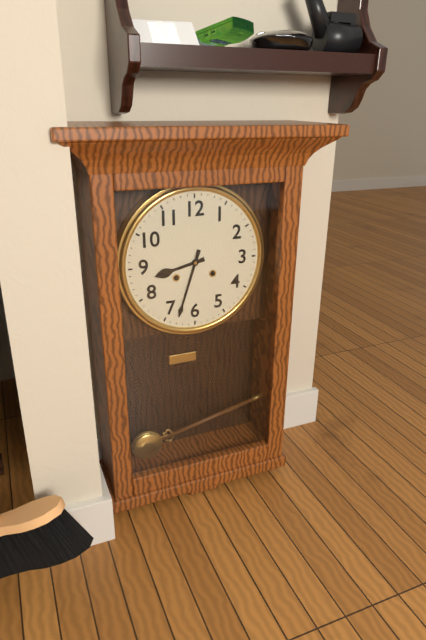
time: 8:33
